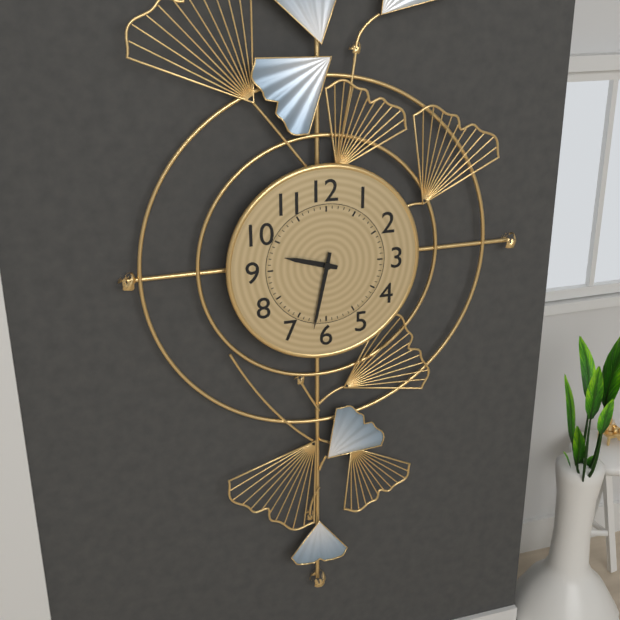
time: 9:32
